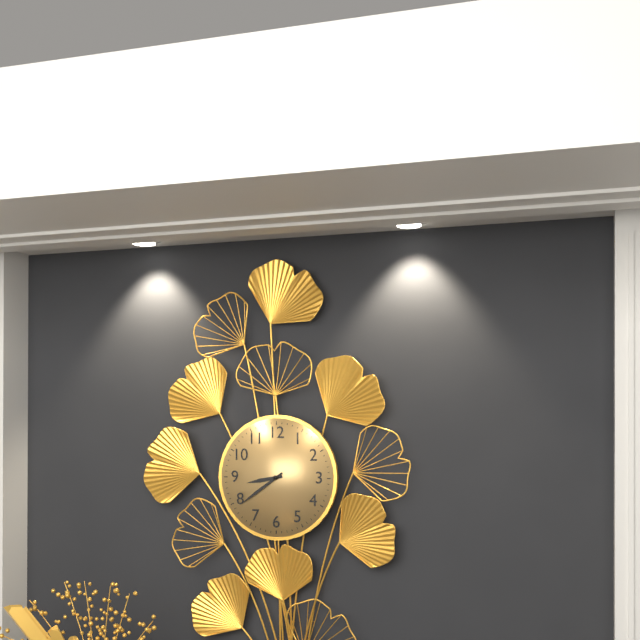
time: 8:39
